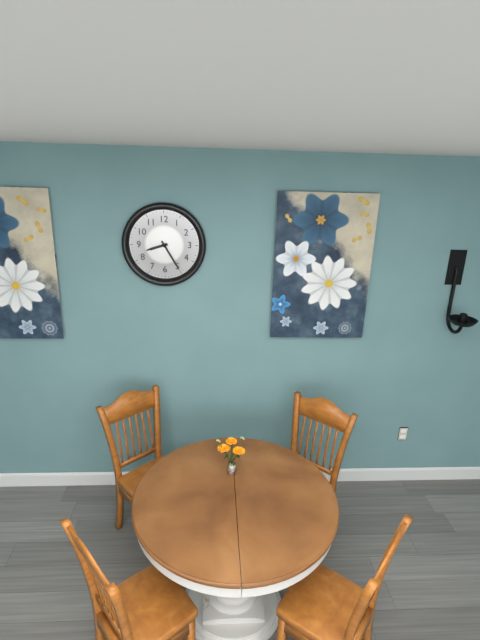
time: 8:25
